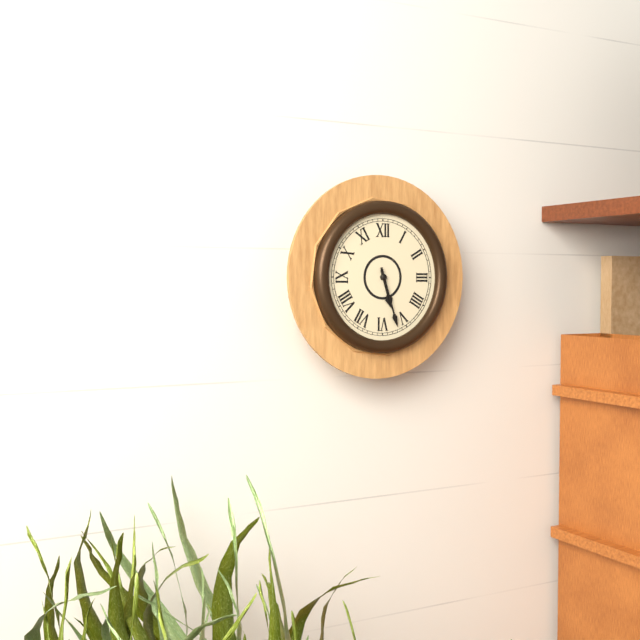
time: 5:27
